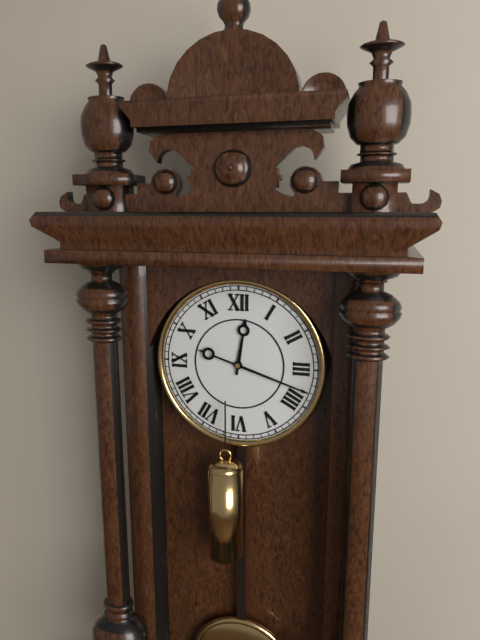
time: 12:18
